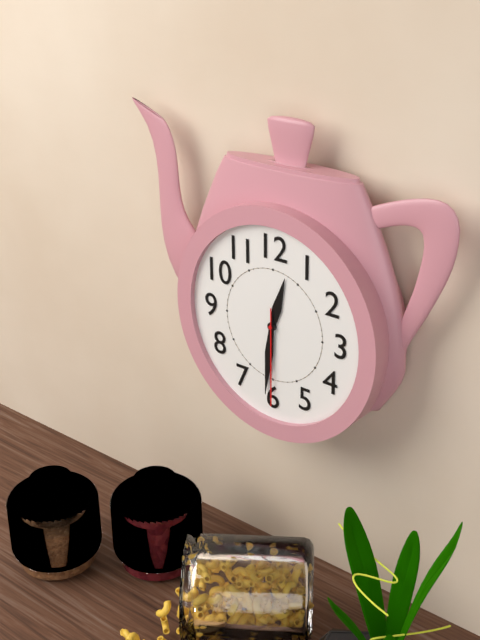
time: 12:31:30
